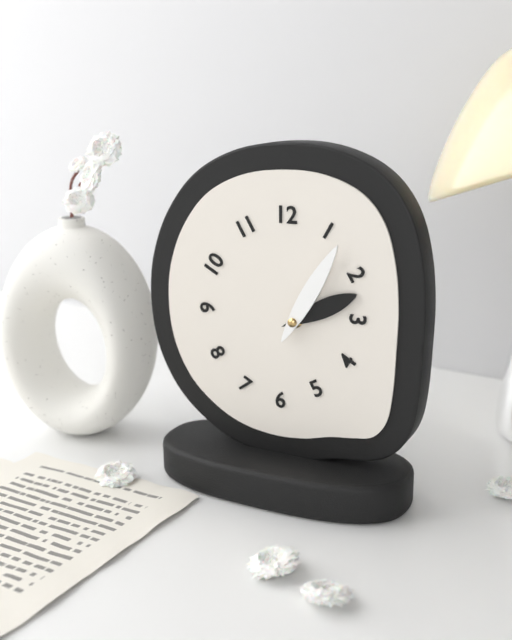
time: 2:05
